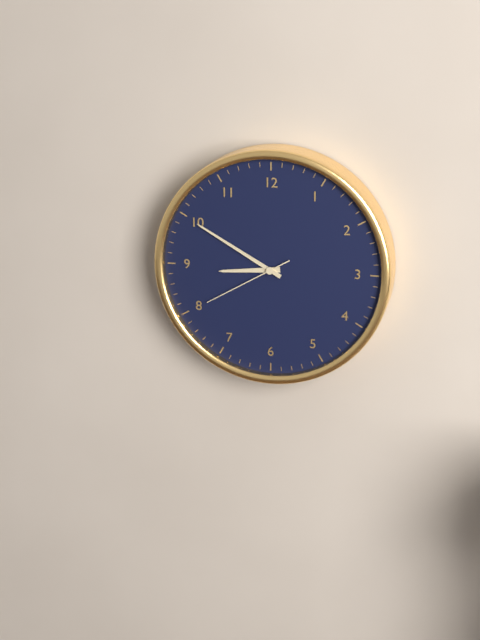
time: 8:50:40
